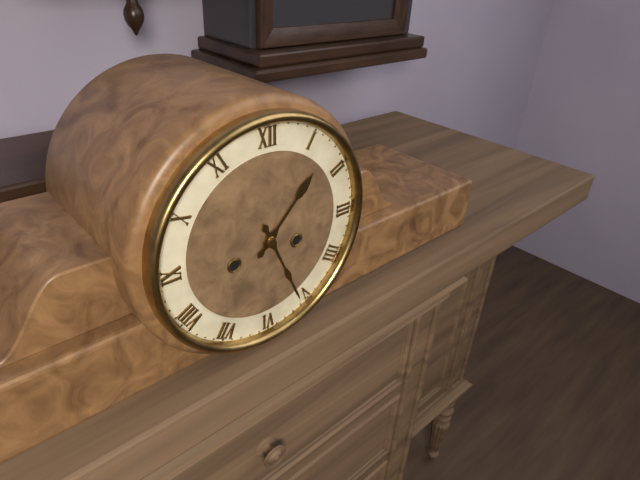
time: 1:26
